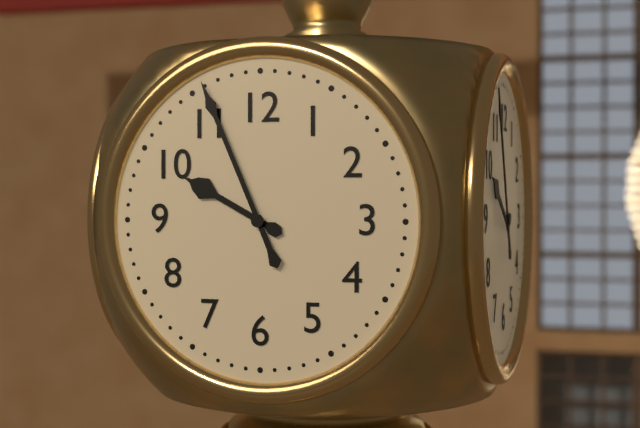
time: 9:56
